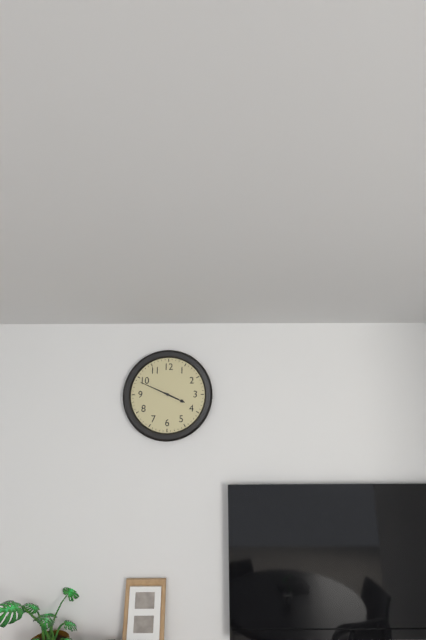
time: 3:49
